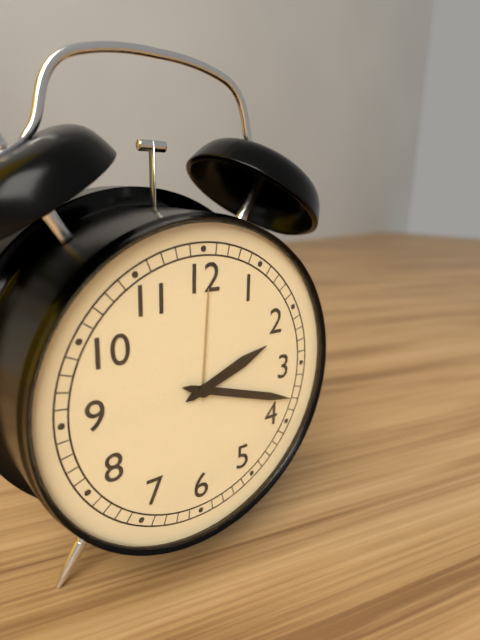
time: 2:18
